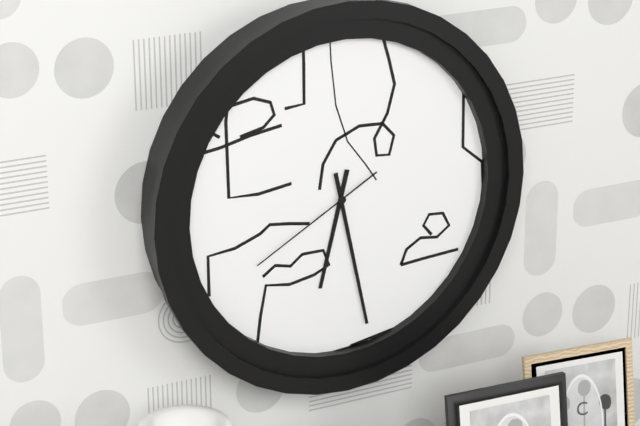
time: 6:28:40
